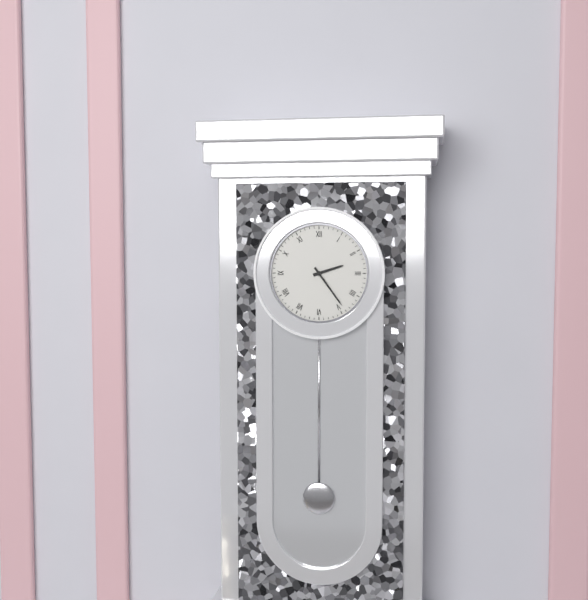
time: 2:24
